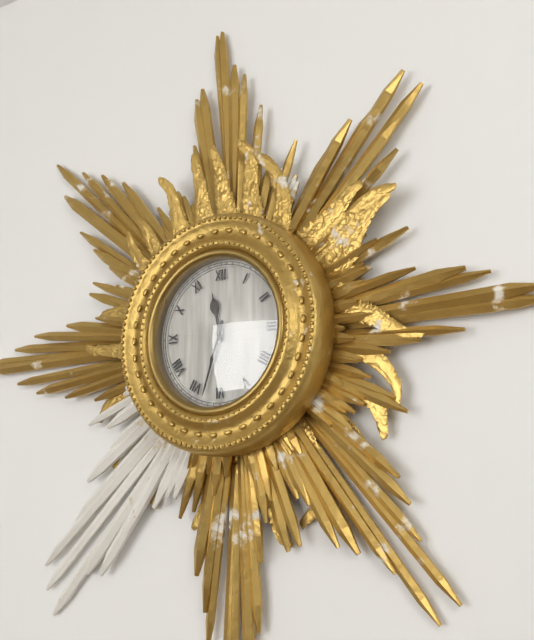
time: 11:33
